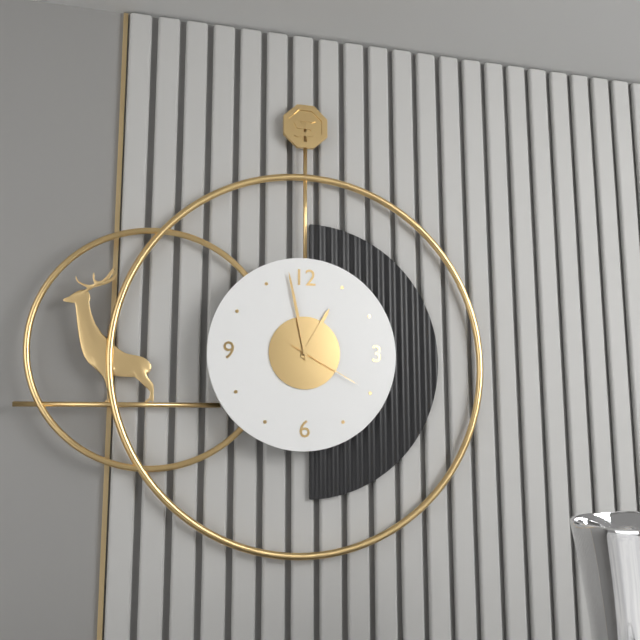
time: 12:58:20
